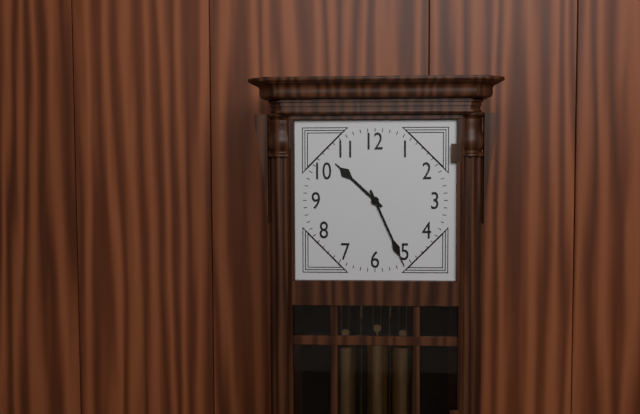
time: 10:26
